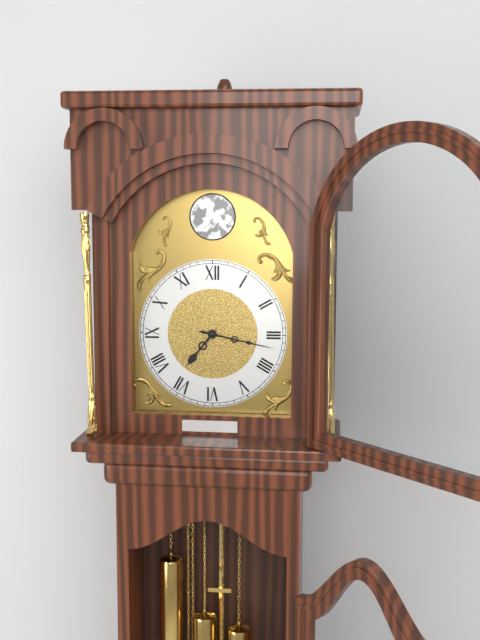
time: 7:17
